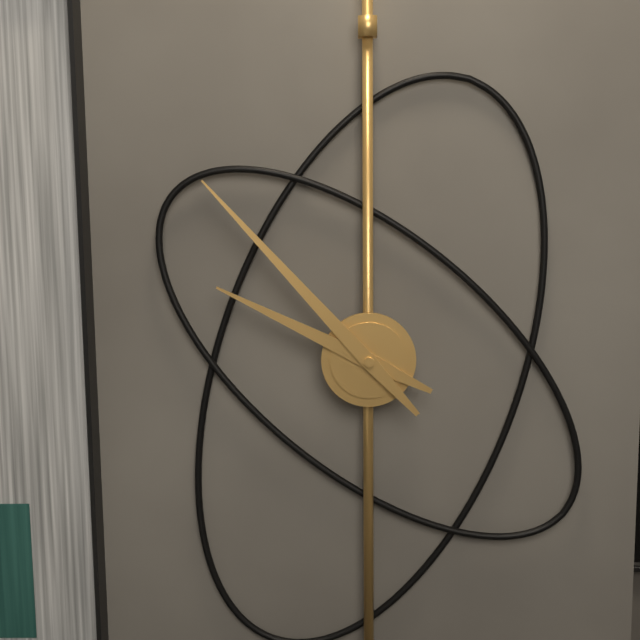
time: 9:53
